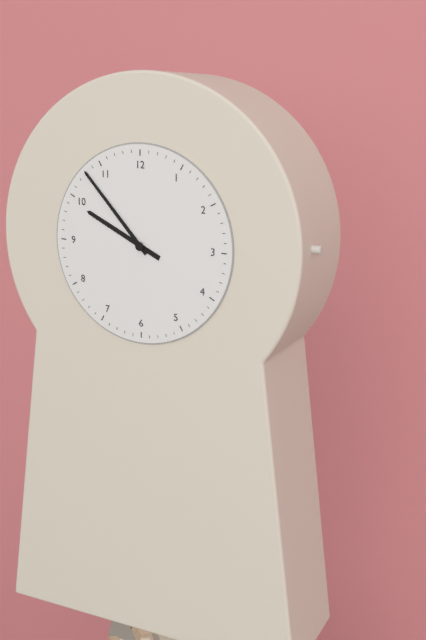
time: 9:53
